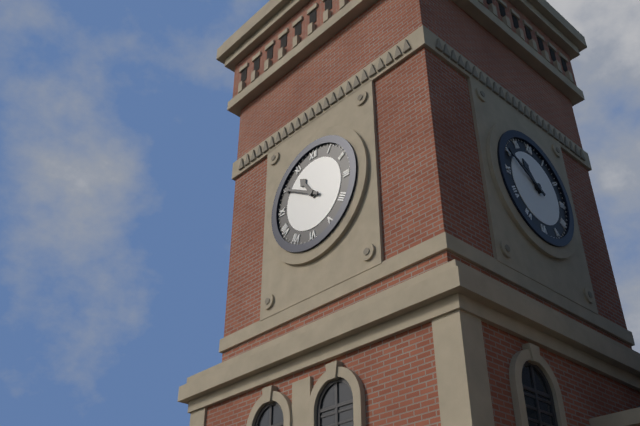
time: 10:50
